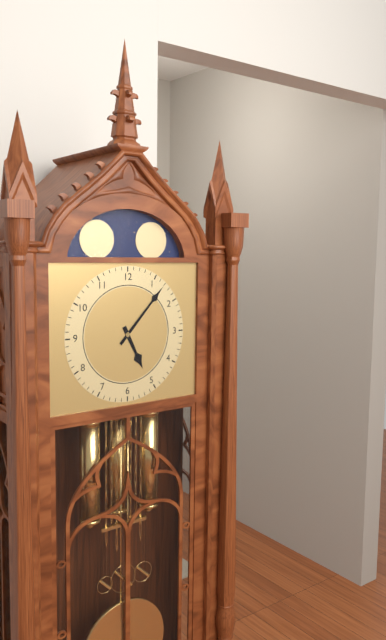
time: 5:07
